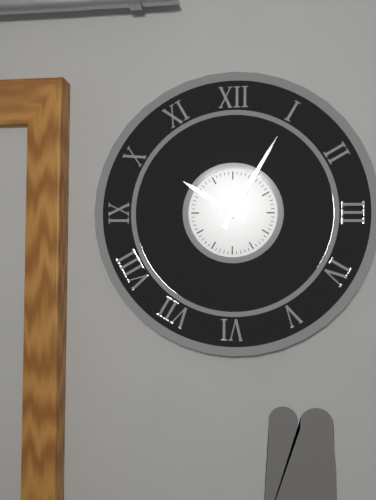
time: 10:05
